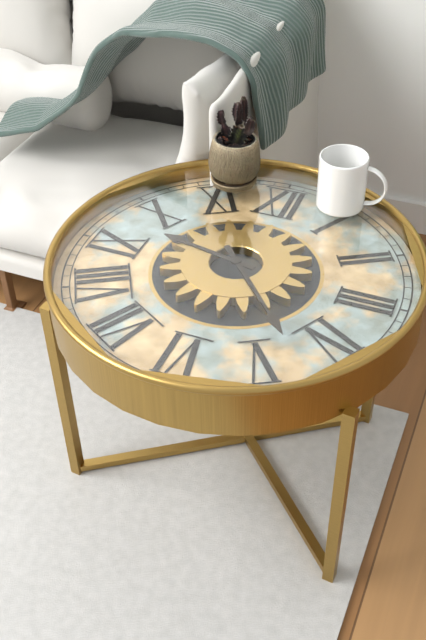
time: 9:23
